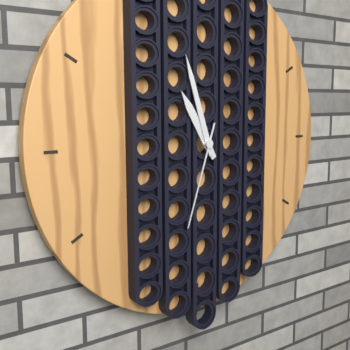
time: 10:57:33
